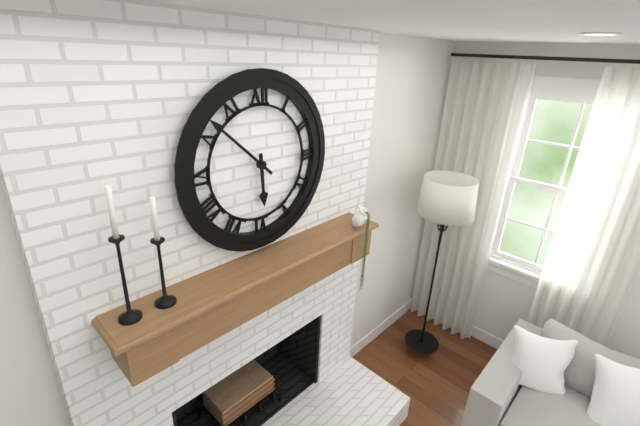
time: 5:52
